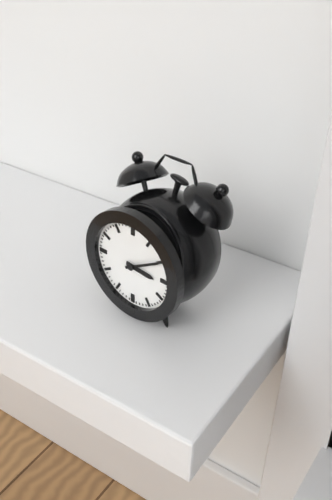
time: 3:10
